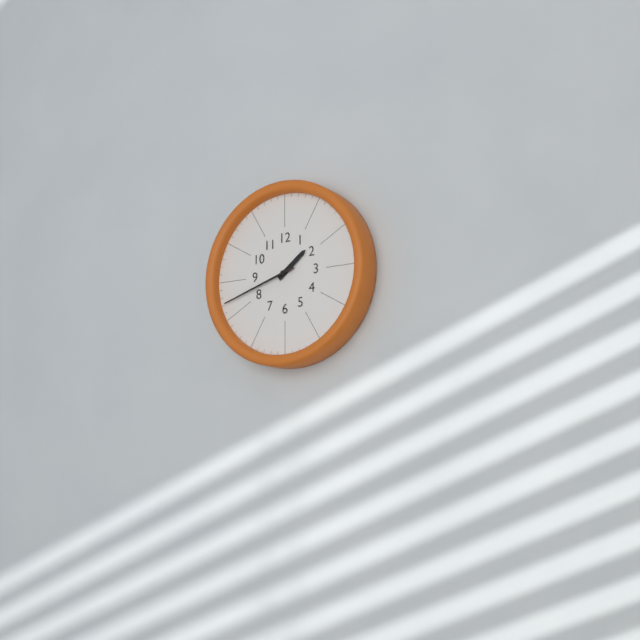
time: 1:42
